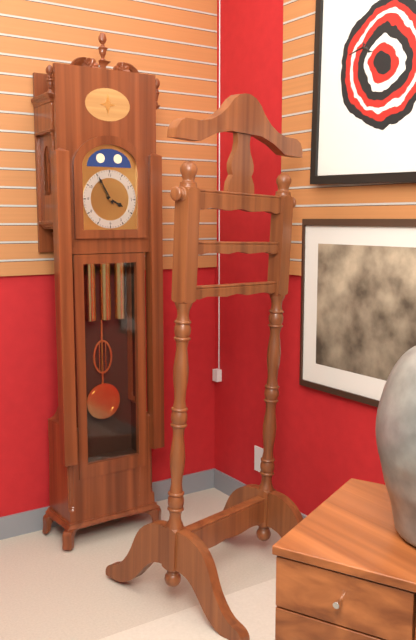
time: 3:55
